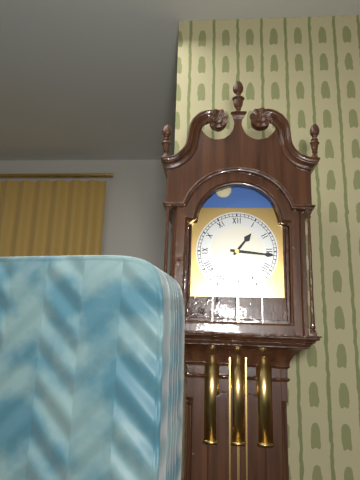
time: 1:16
